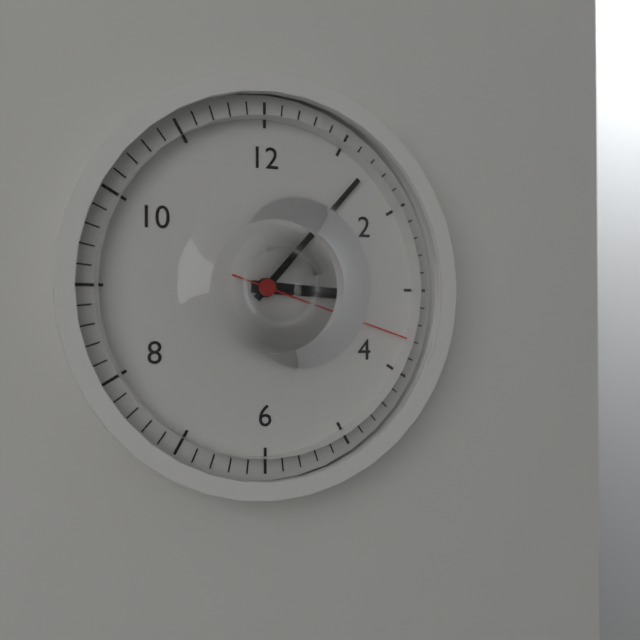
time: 3:07:18
